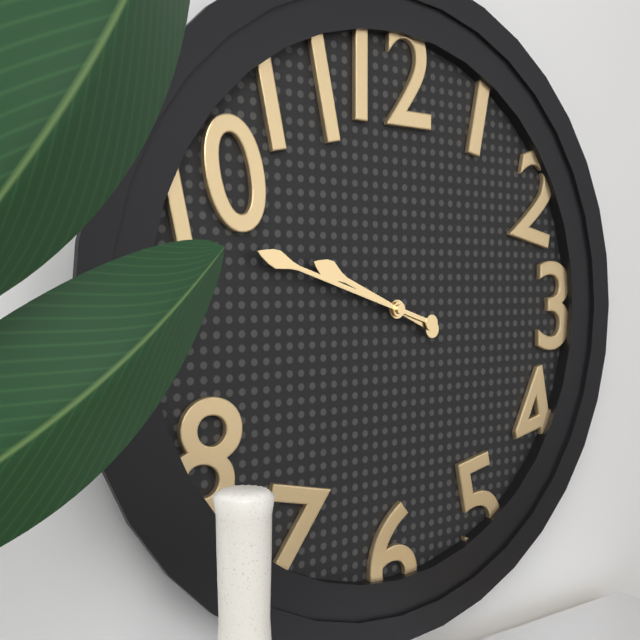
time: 9:48
